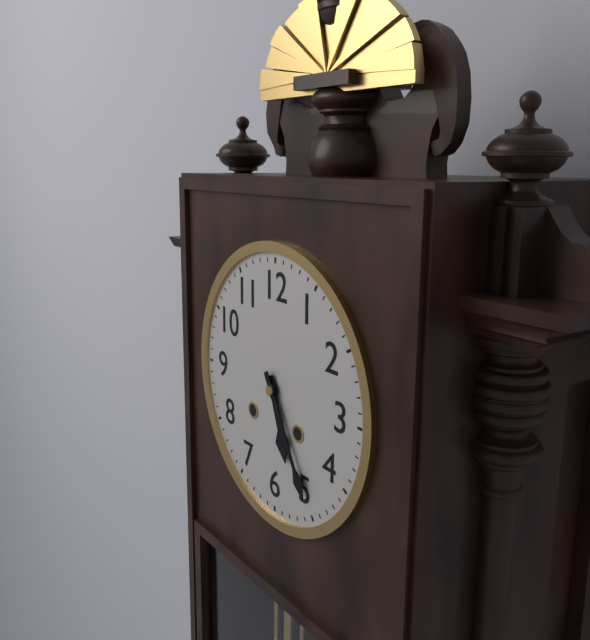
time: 5:25
